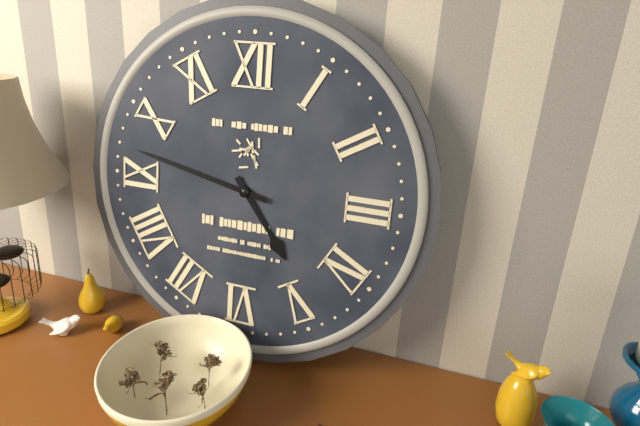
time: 4:47
